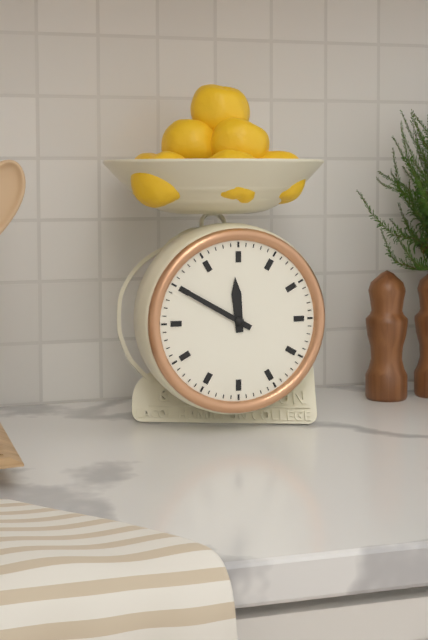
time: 11:50
